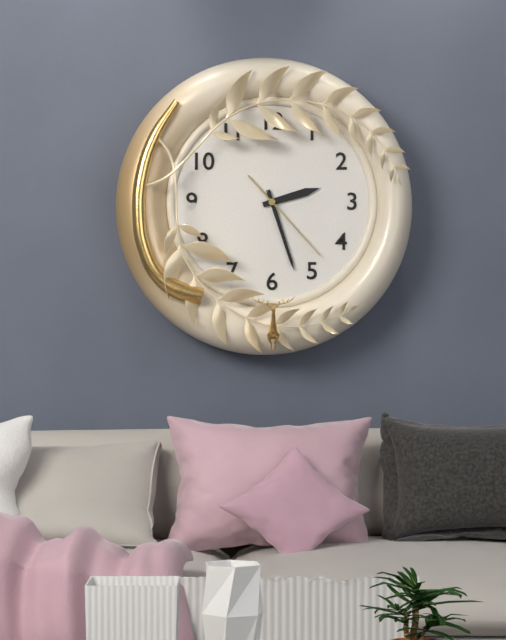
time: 2:27:23
